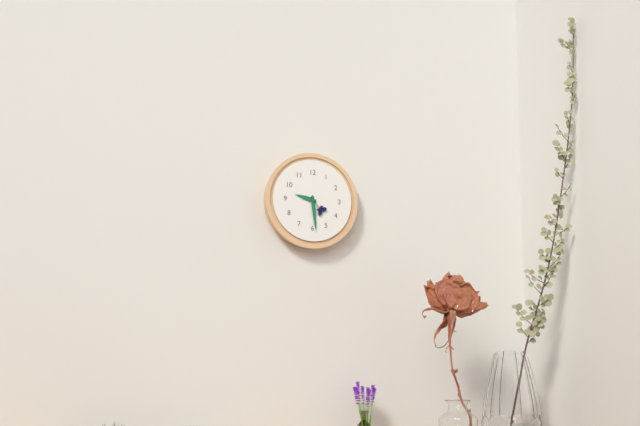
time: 9:29
